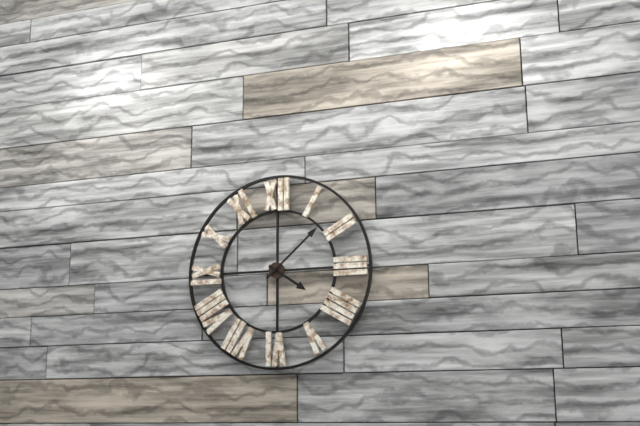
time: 4:08
